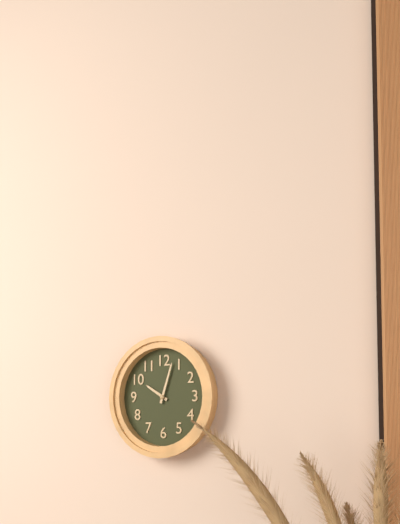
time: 10:03
